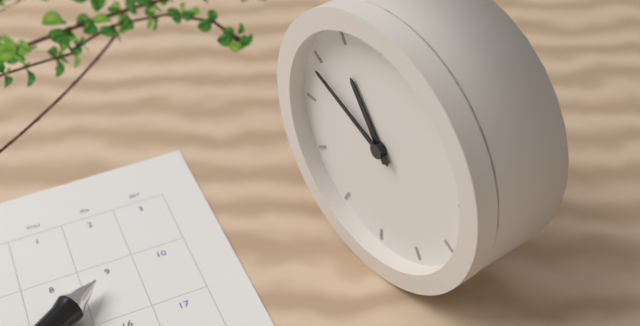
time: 10:49
